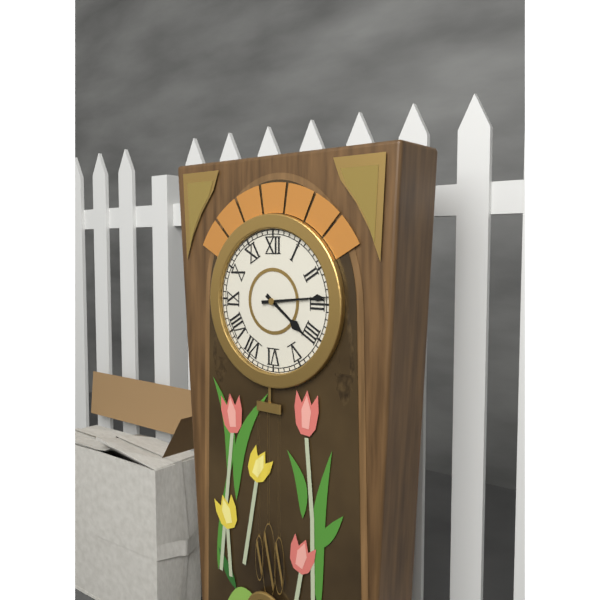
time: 4:14
